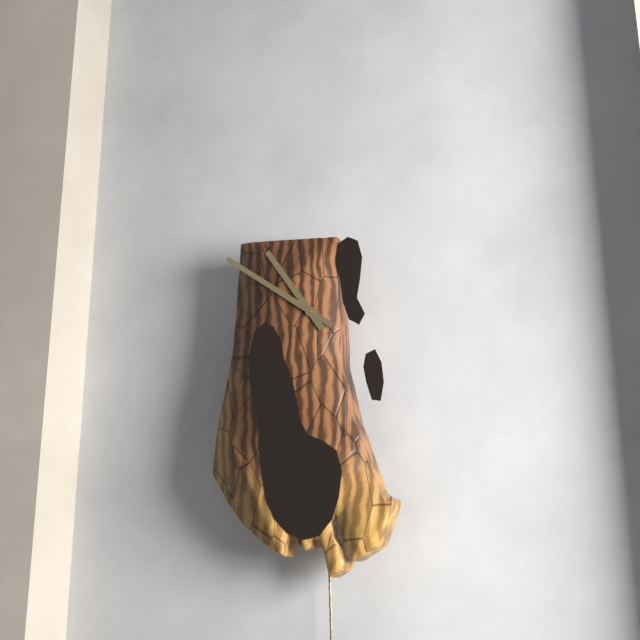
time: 10:51
